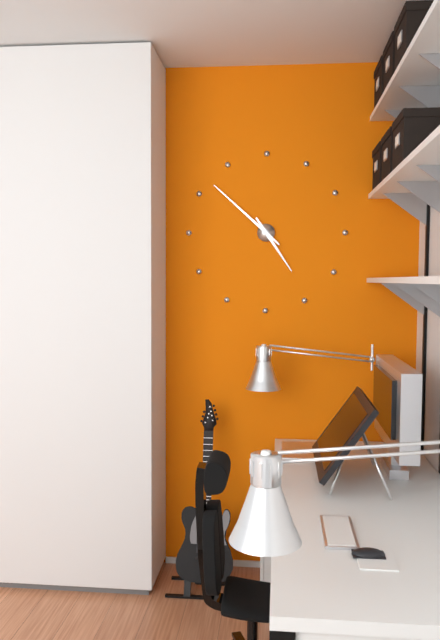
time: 4:52
